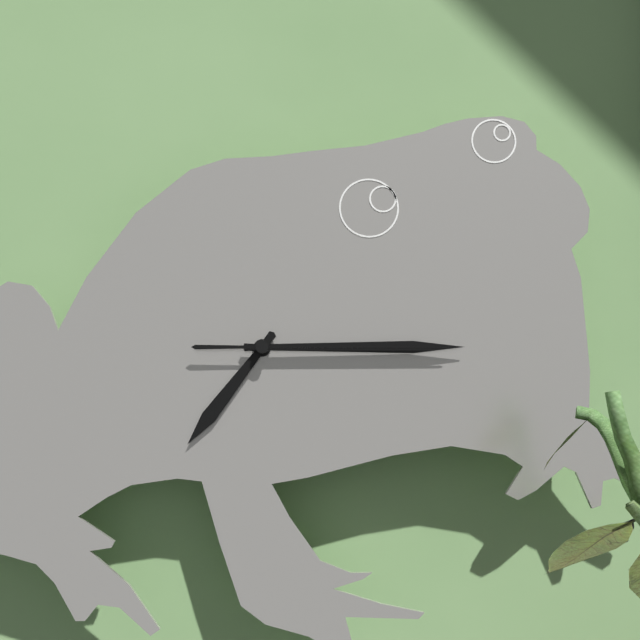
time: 7:15:15
